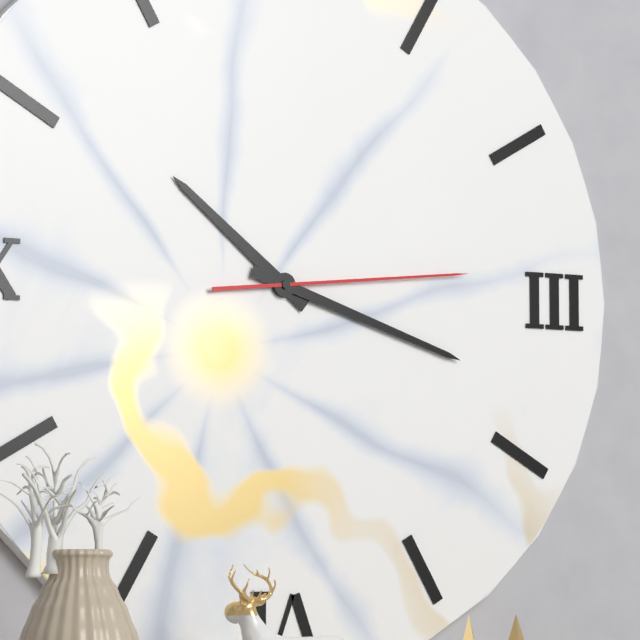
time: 10:18:14
